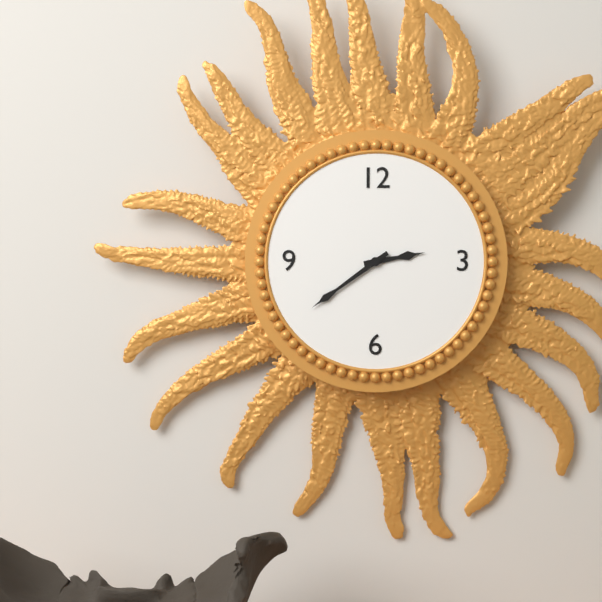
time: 2:39
